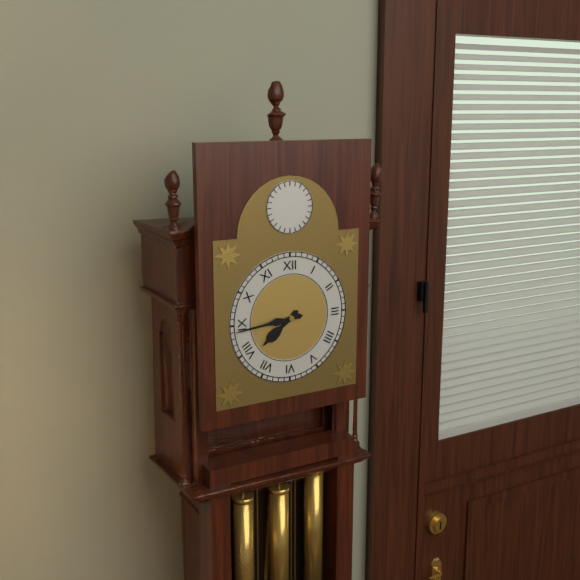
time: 7:44
